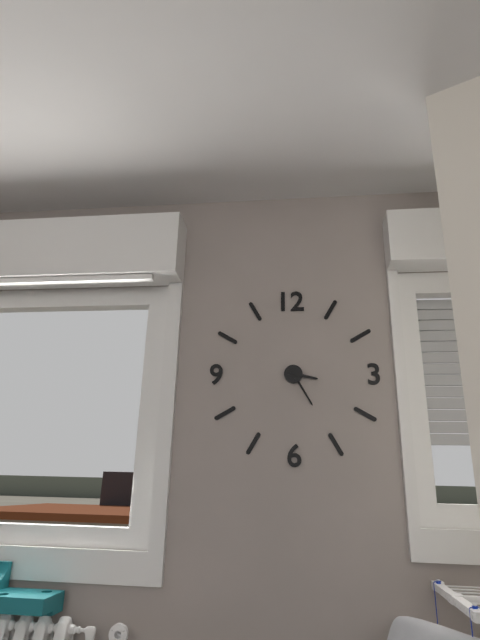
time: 3:25
